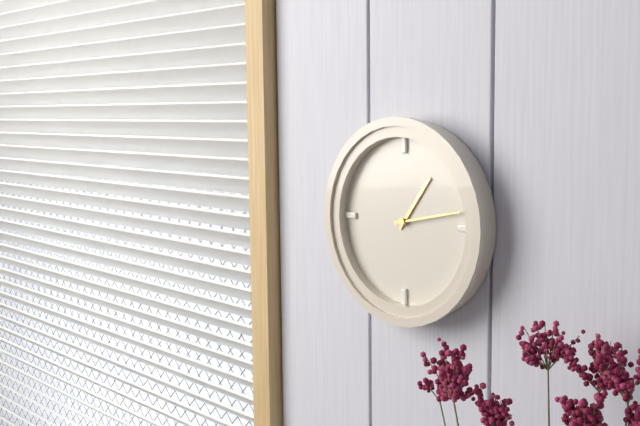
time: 1:13
